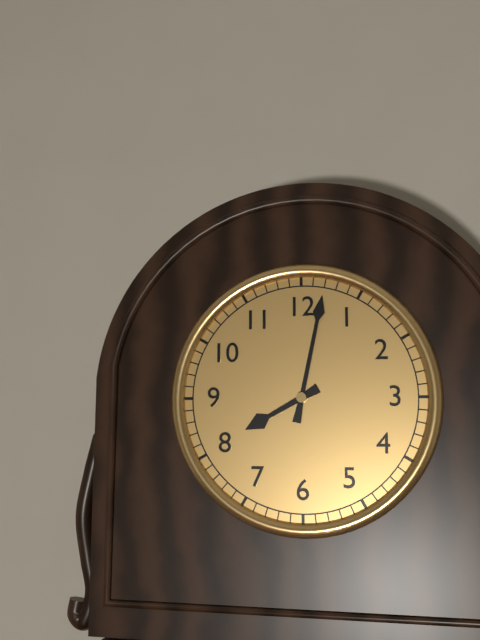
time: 8:02
